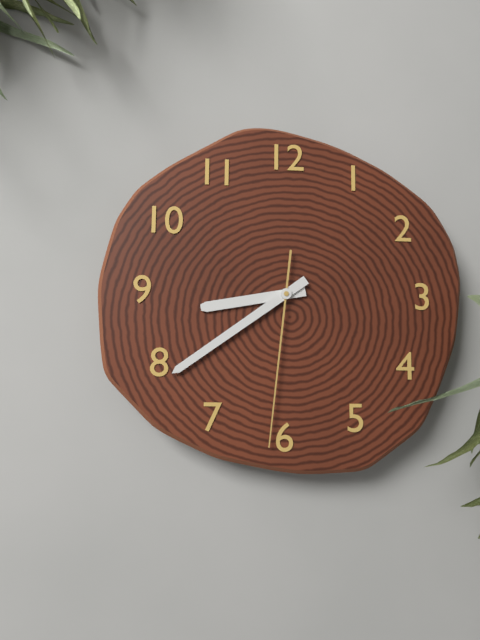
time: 8:39:31
